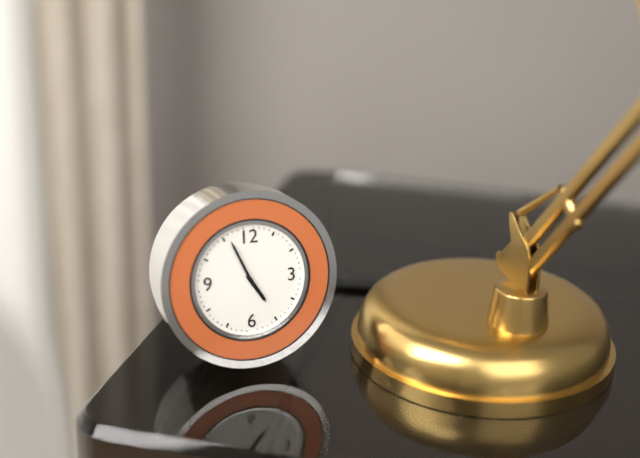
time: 4:56
